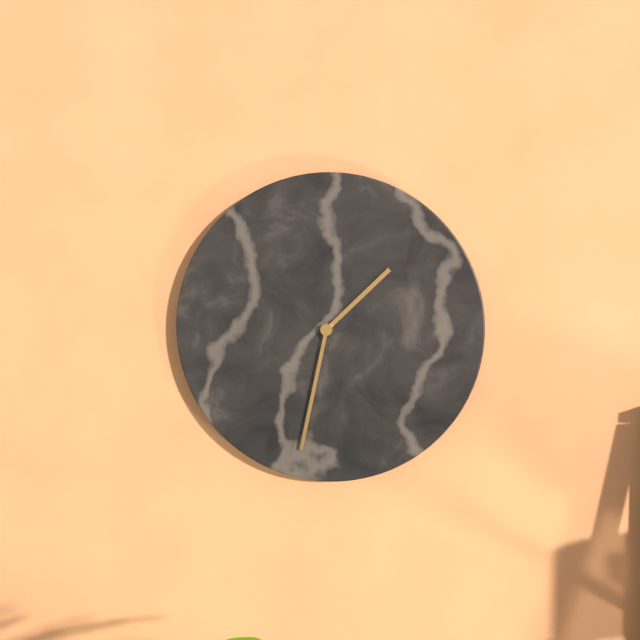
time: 1:32
